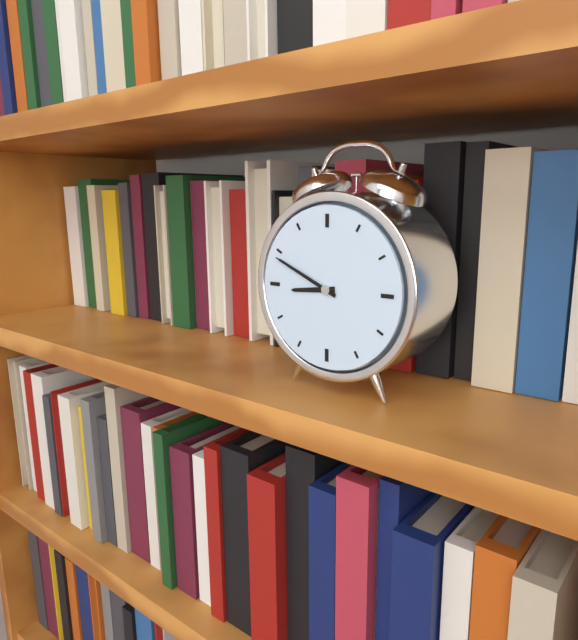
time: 8:49
